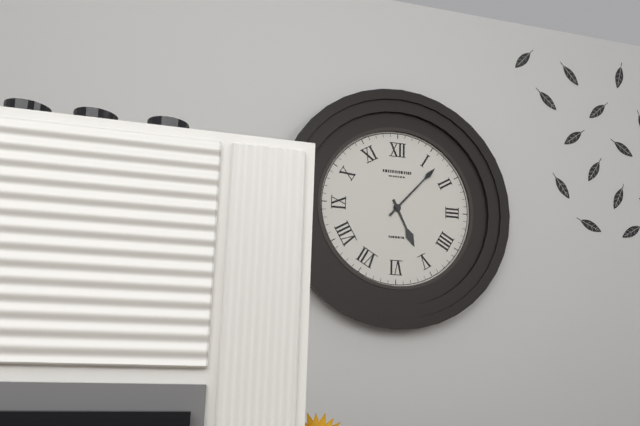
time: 5:07
